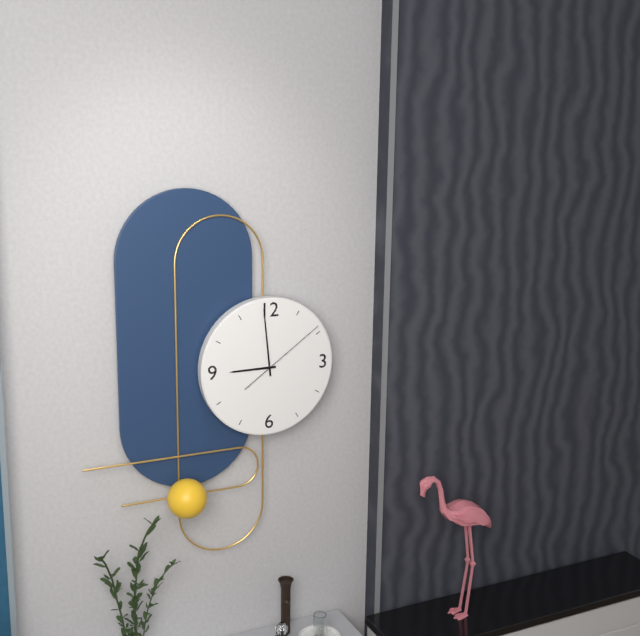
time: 8:59:09
